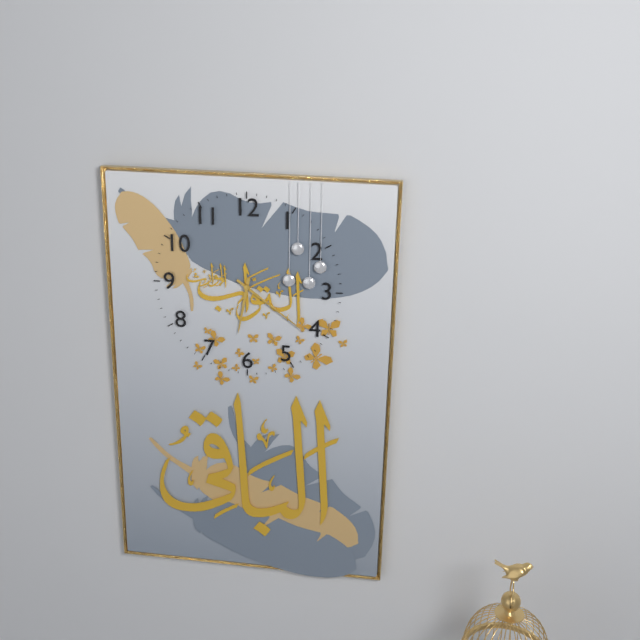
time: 6:21
